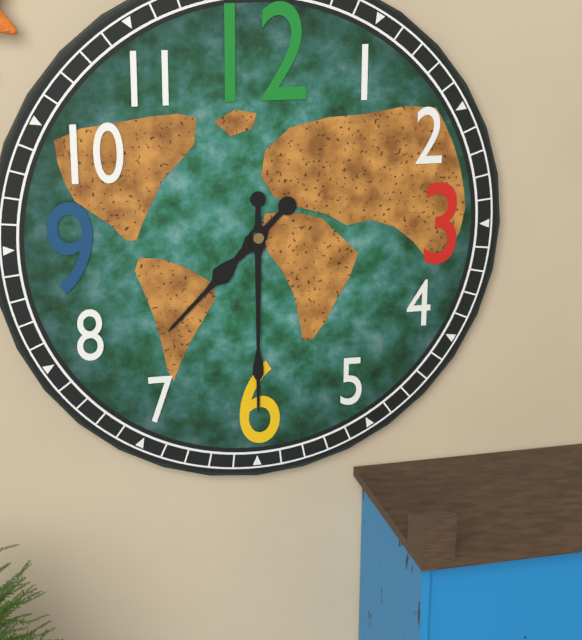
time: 7:30
